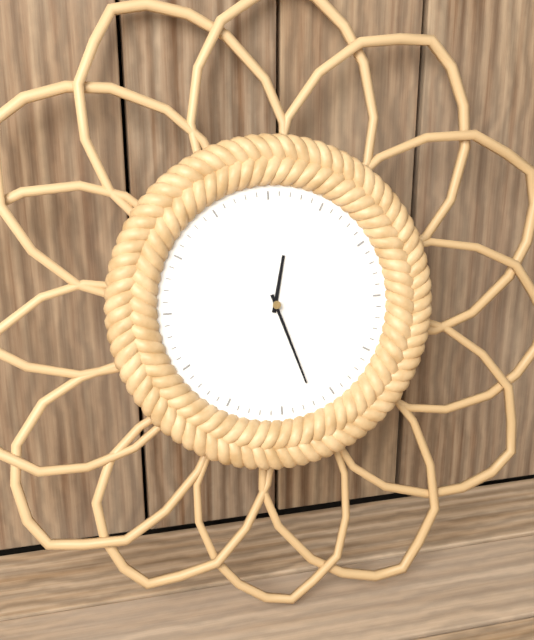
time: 12:27
